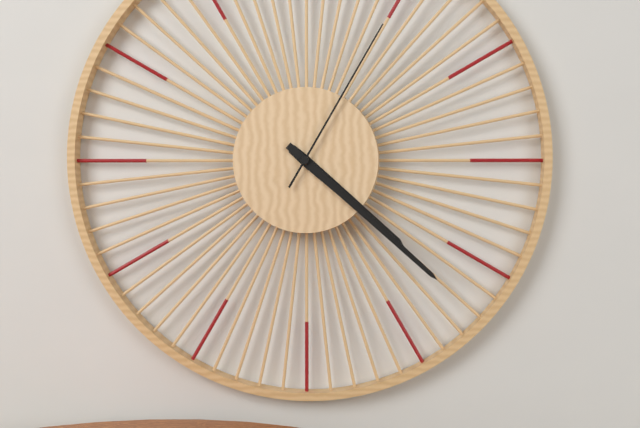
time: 4:22:05
